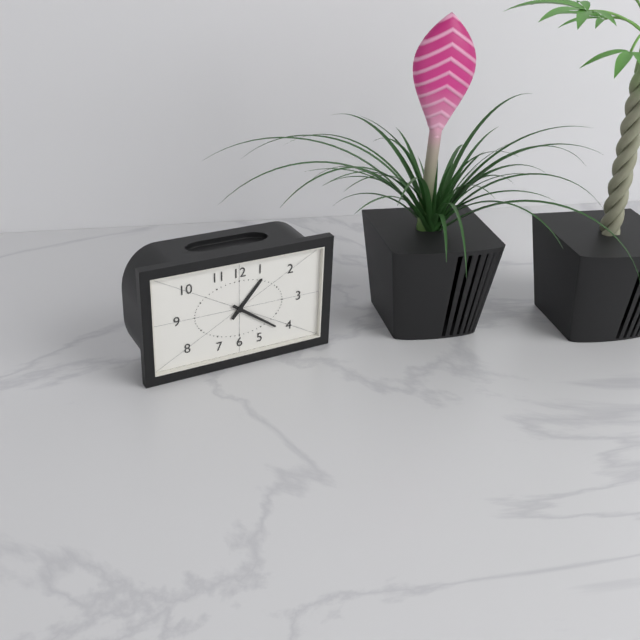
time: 1:21
